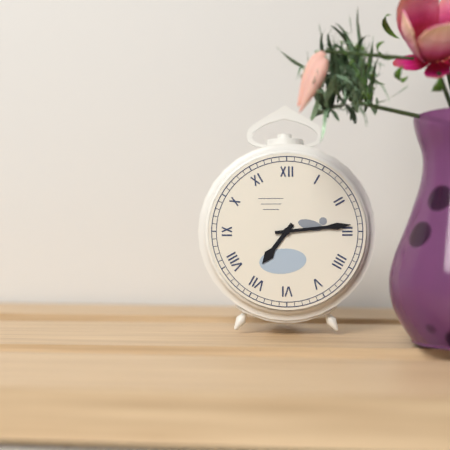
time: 7:14
